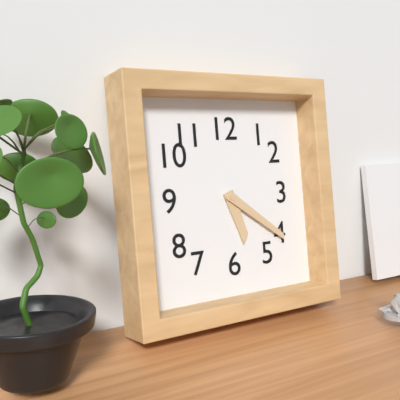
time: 5:21
